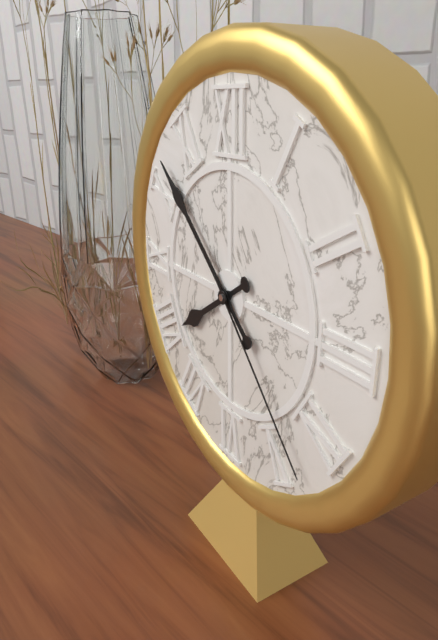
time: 7:52:23
